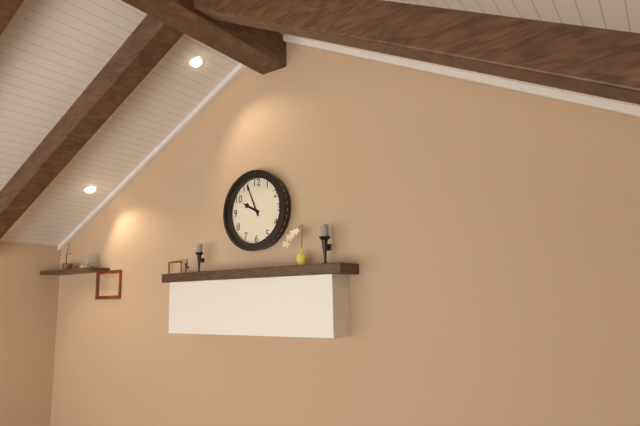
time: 9:56
